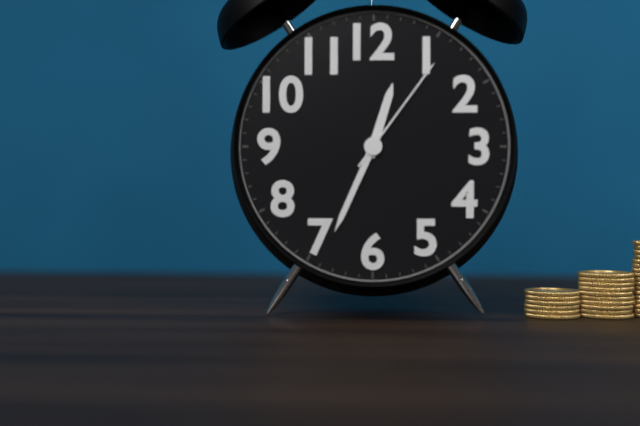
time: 12:34:06
